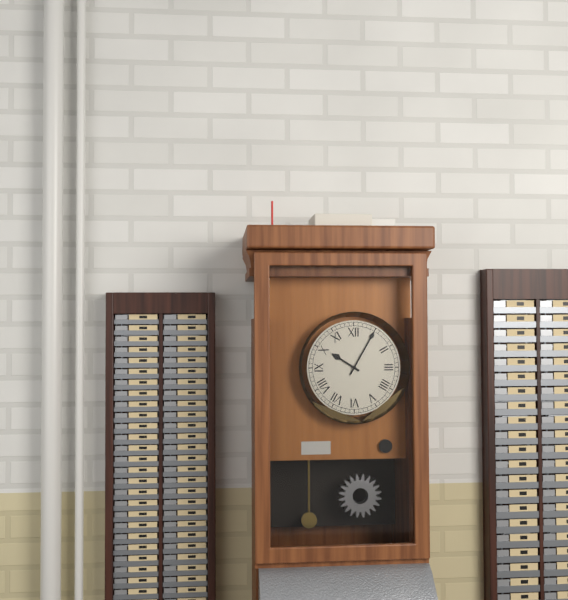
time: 10:05
